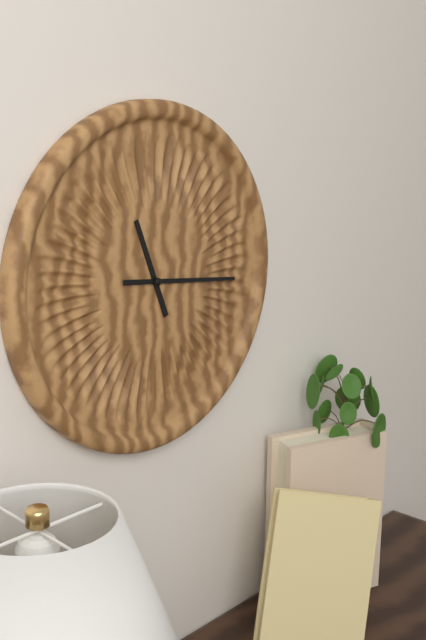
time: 11:16
